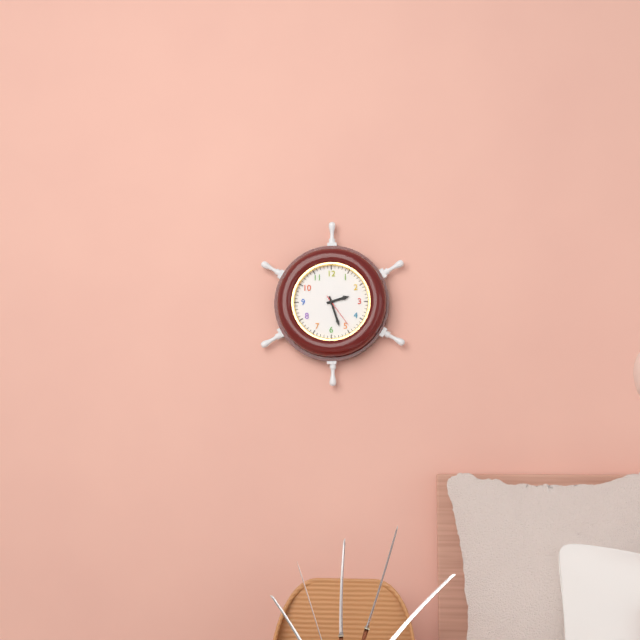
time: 2:27
